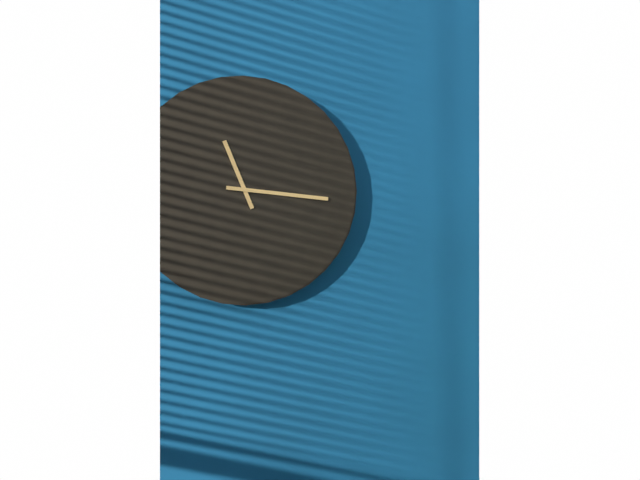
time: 11:16
